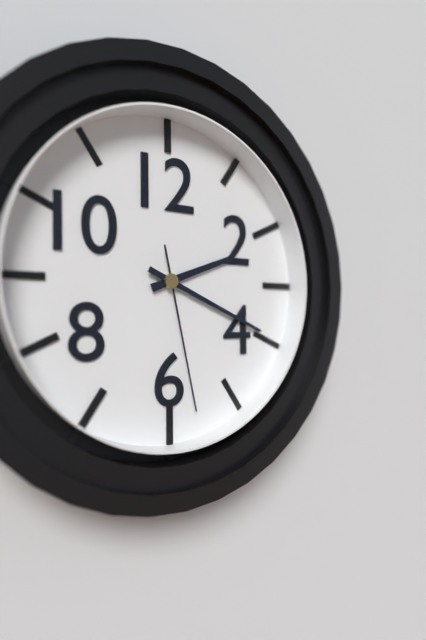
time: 2:19:28
